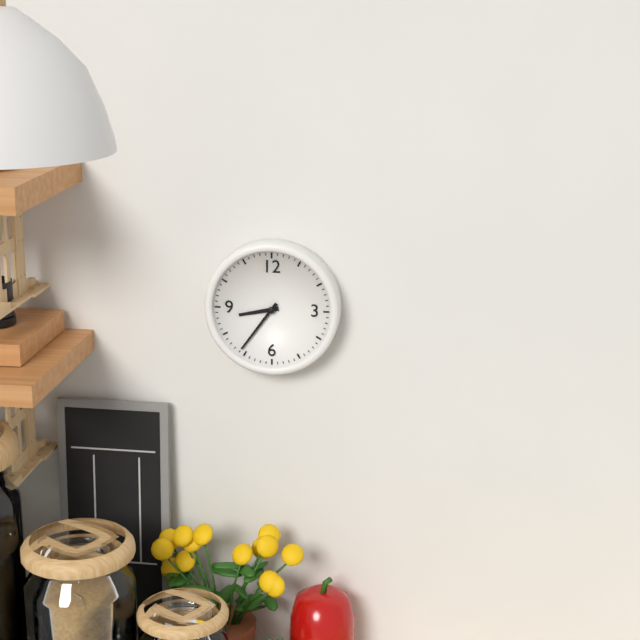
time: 8:36
